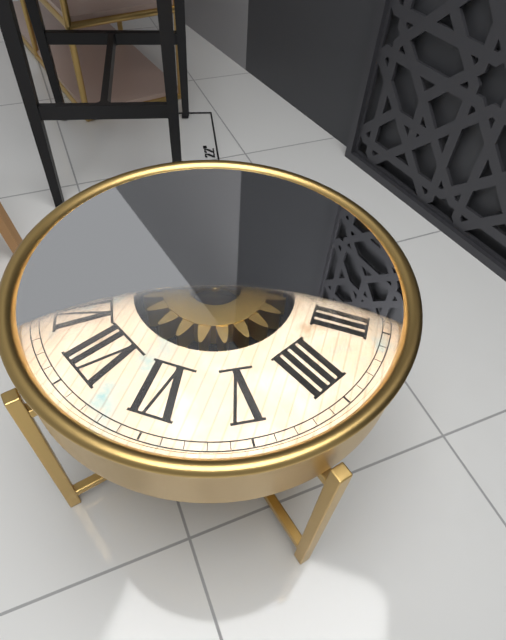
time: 9:42
